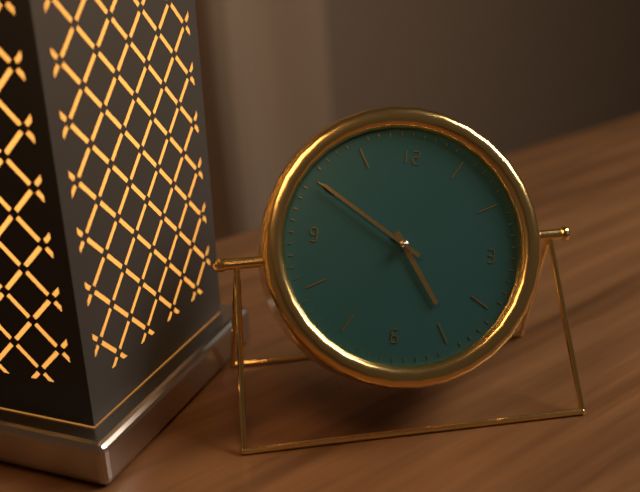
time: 4:50
